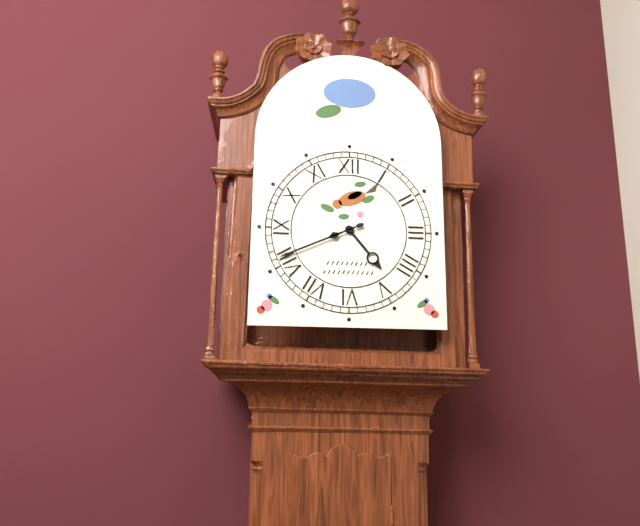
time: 4:41
